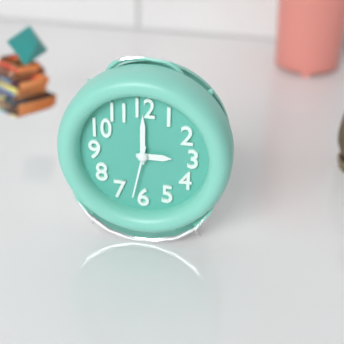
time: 3:00:32
